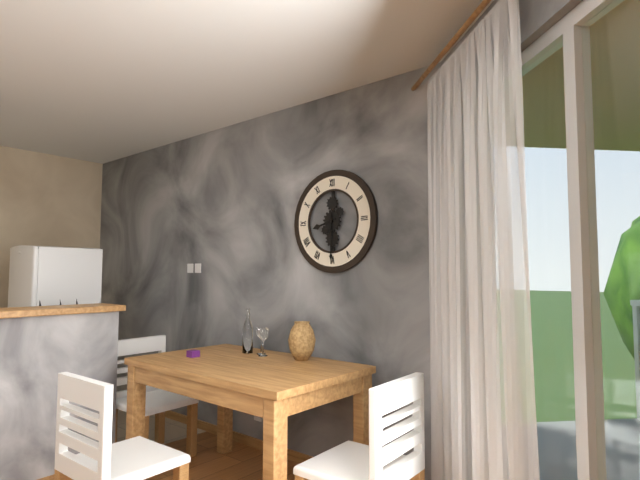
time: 8:30
